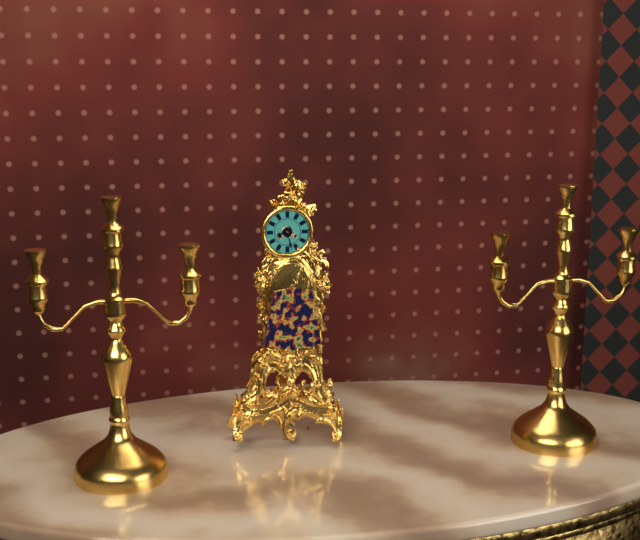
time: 8:28
